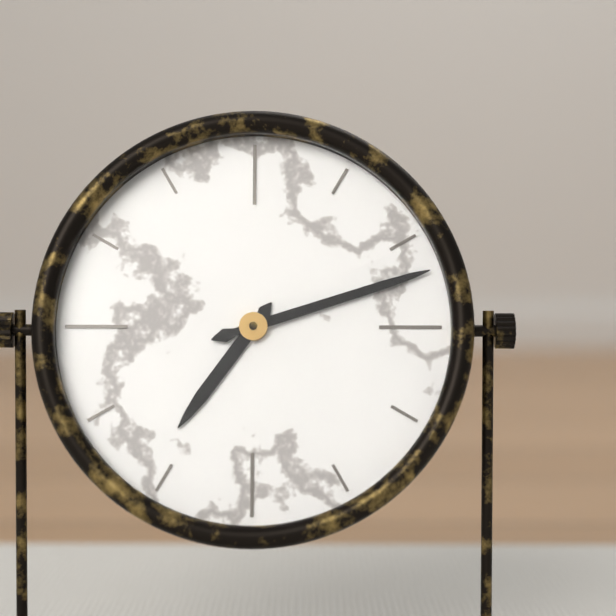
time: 7:12
